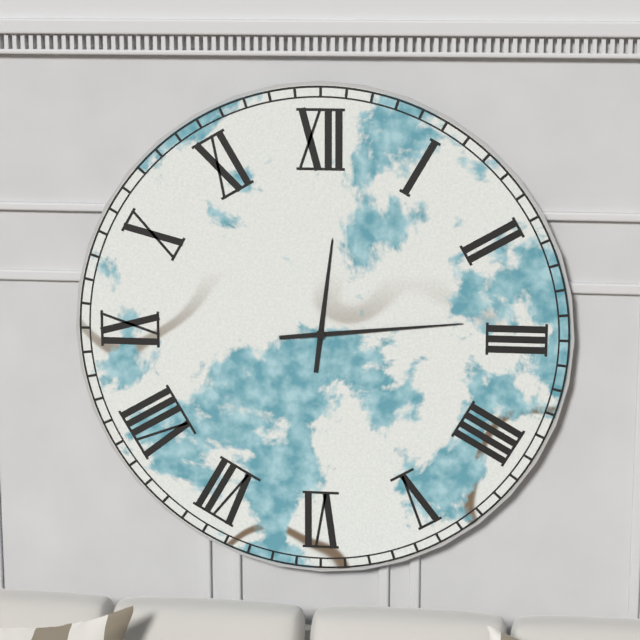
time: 12:14
